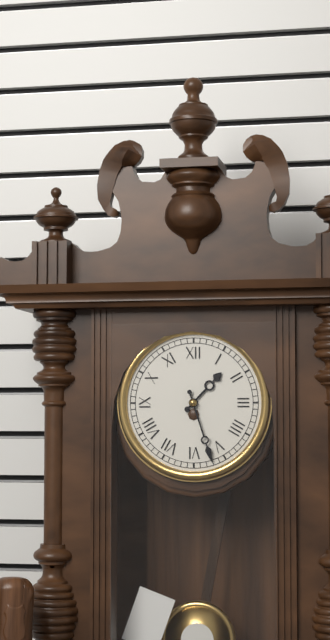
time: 1:27
